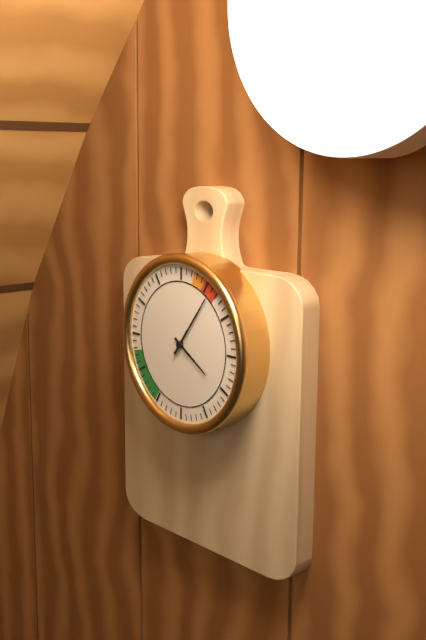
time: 4:06
